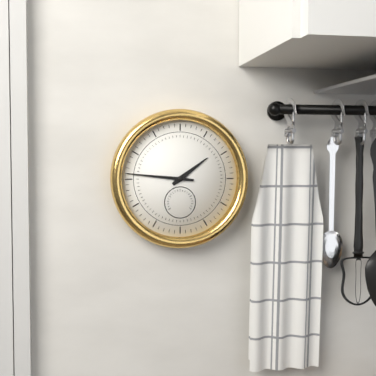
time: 1:46
